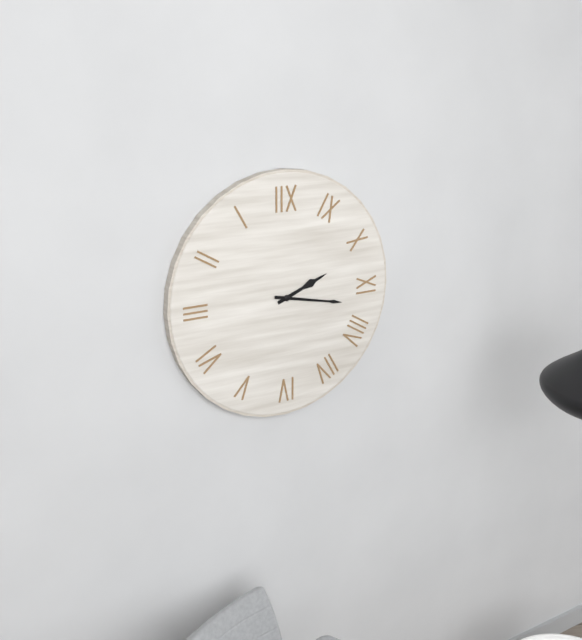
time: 2:17
